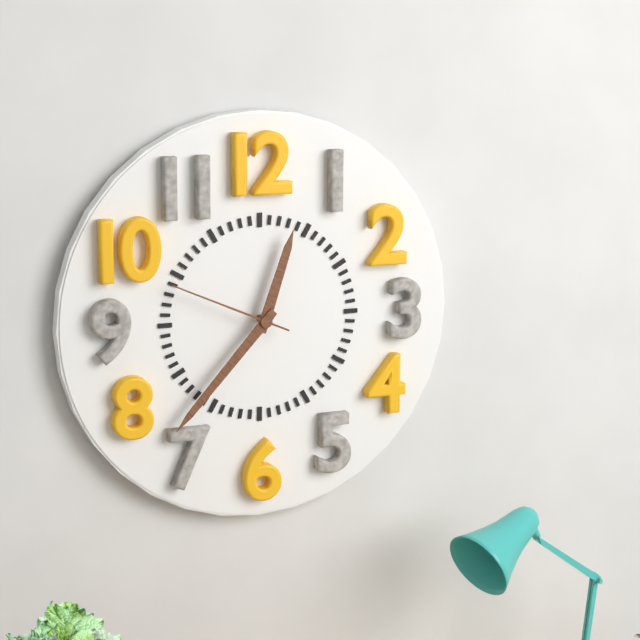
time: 12:37:49
